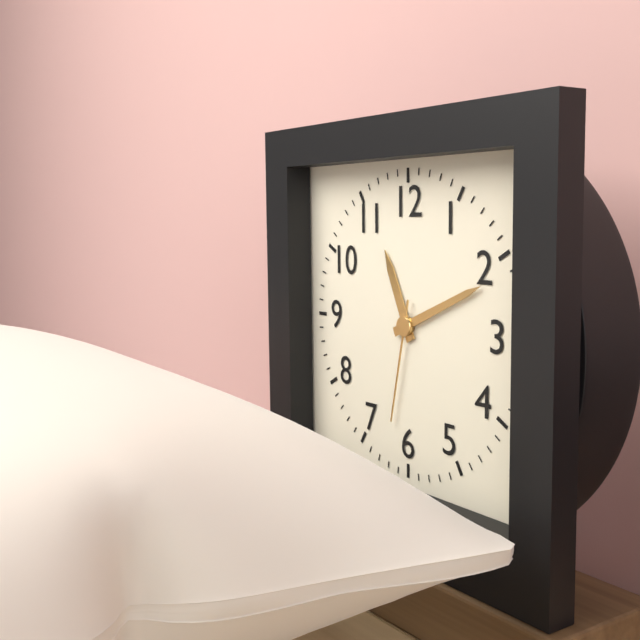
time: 11:11:32
